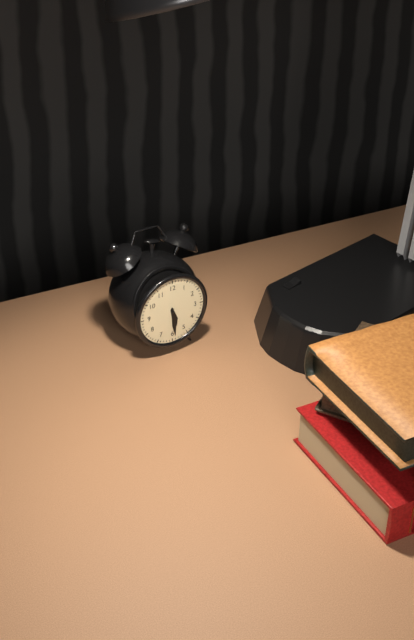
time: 5:29
